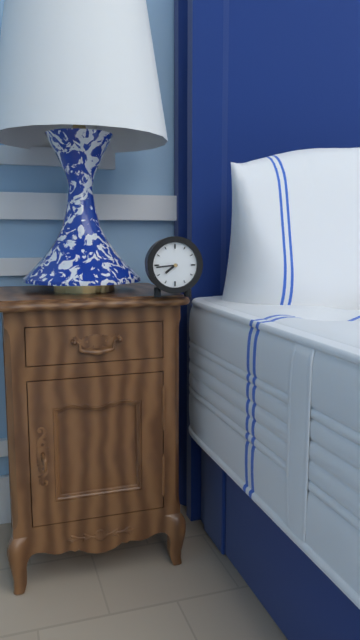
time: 7:44
